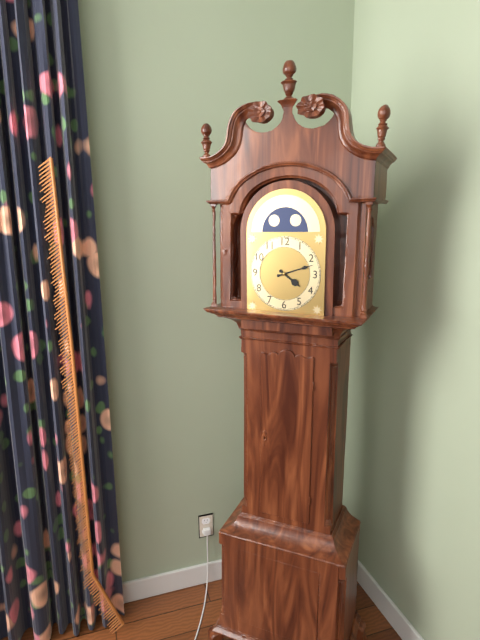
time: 4:12
